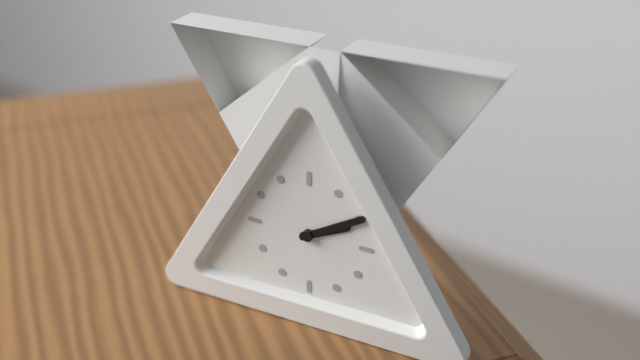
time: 2:10
